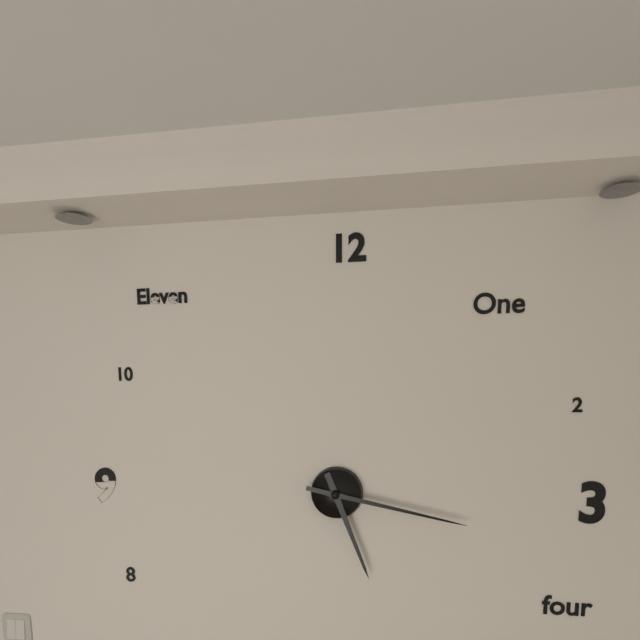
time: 5:17
